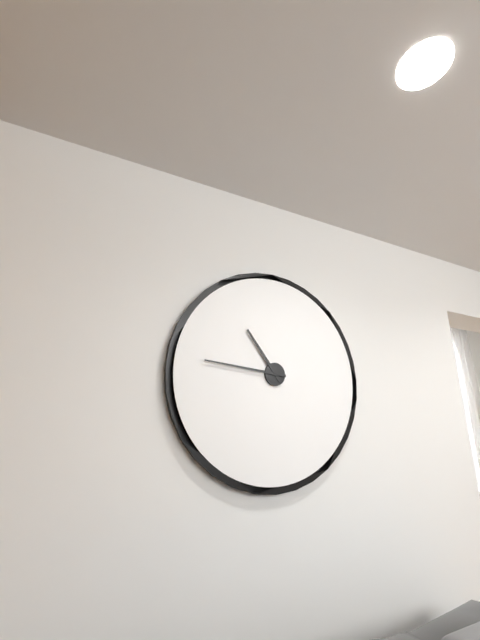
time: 10:46
